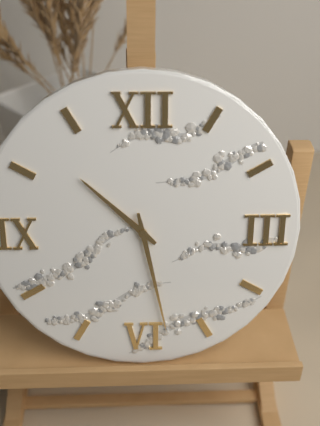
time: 10:28
